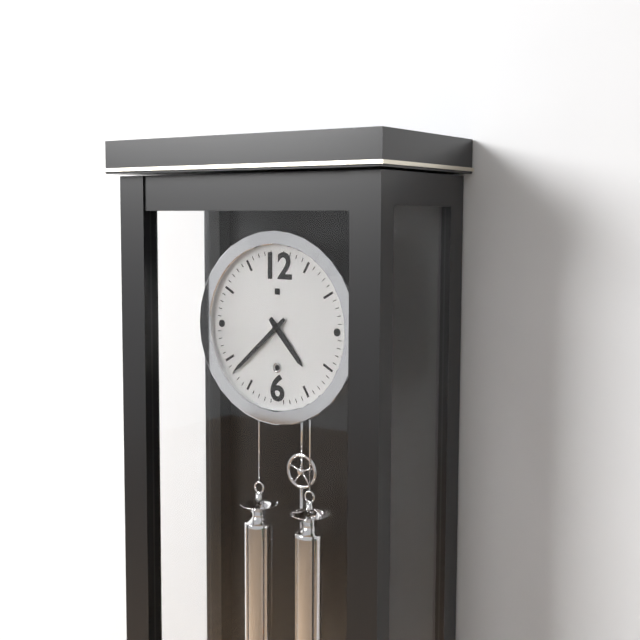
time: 4:38
